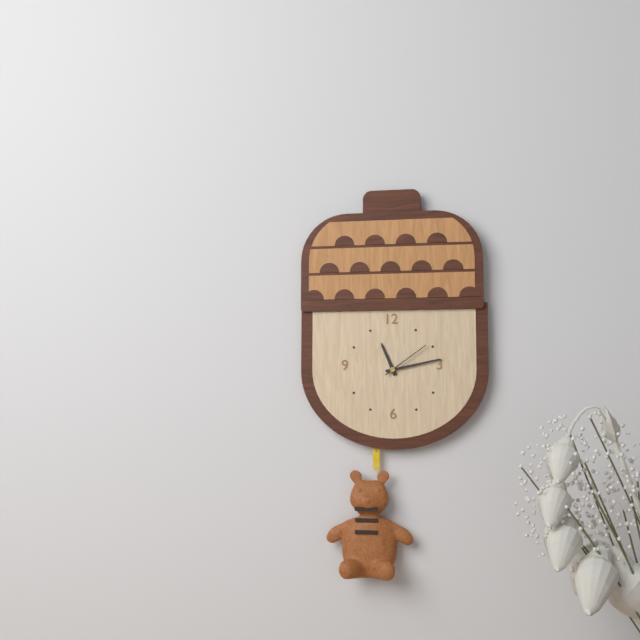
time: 11:13:09
